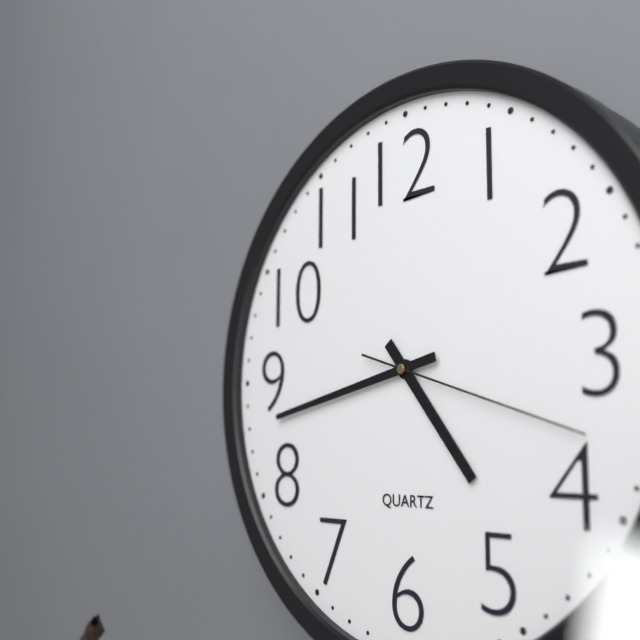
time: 4:43:18
